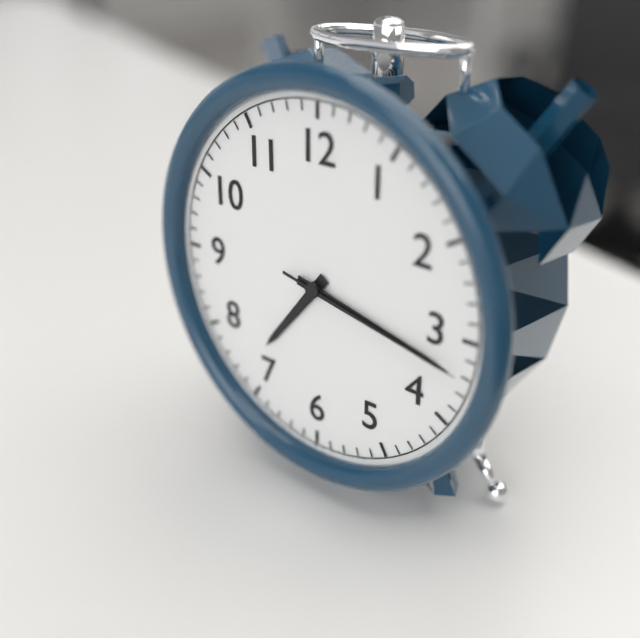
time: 7:17:17
